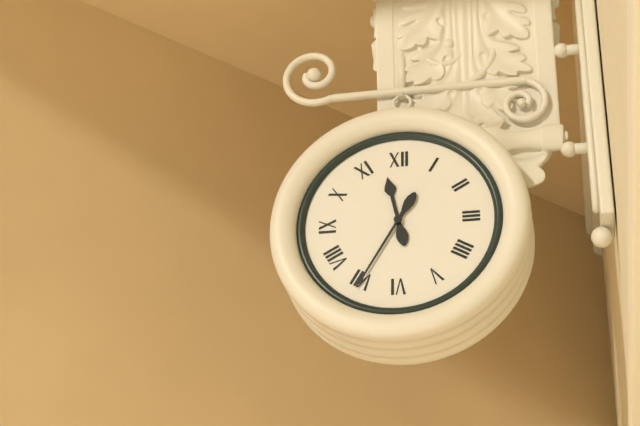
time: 11:35
